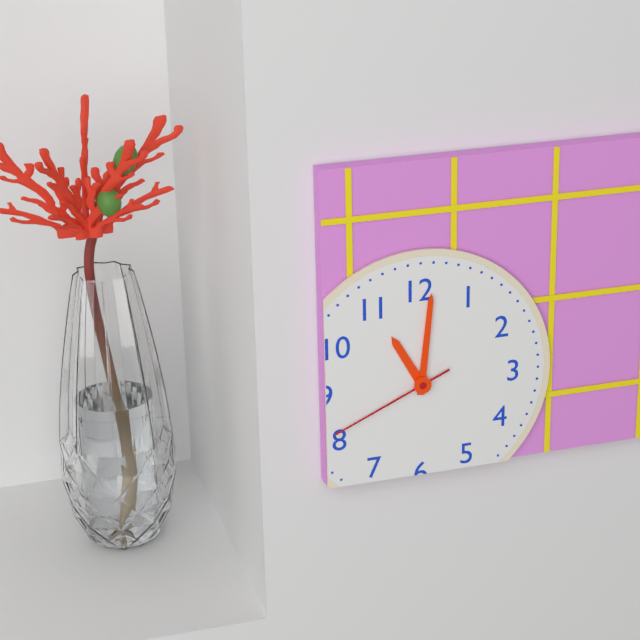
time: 11:01:41
